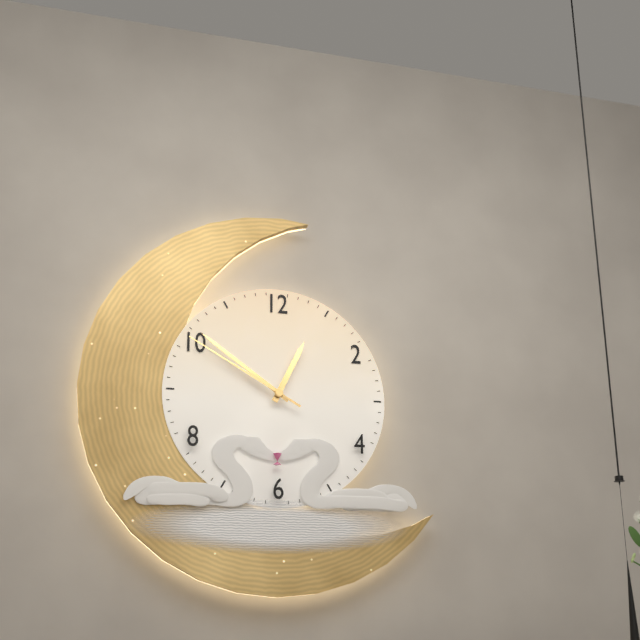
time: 12:51:50
